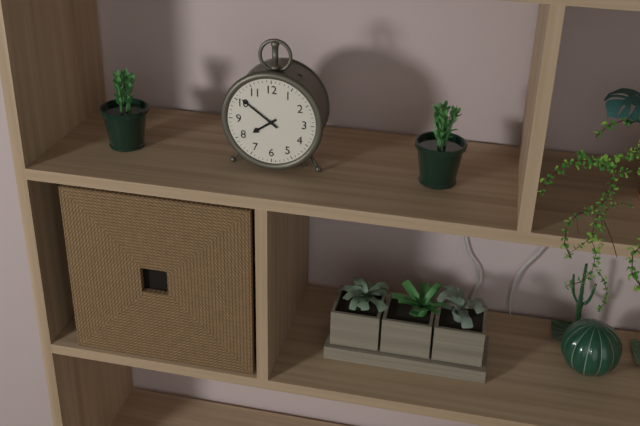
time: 7:51
